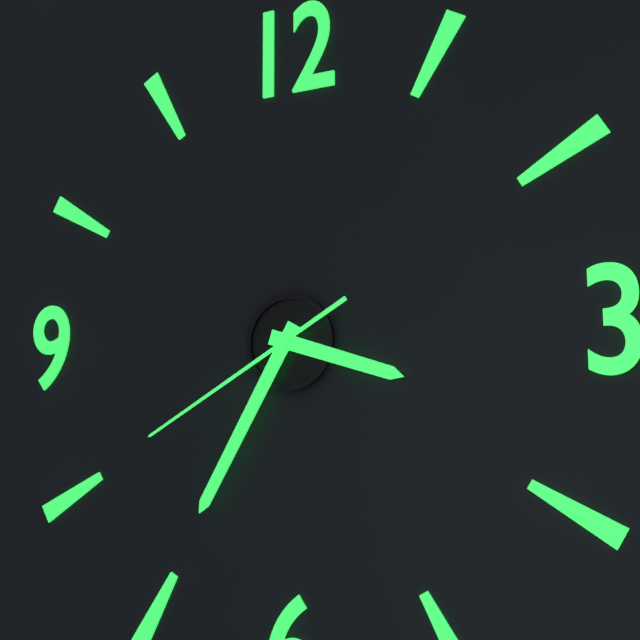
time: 3:35:40
